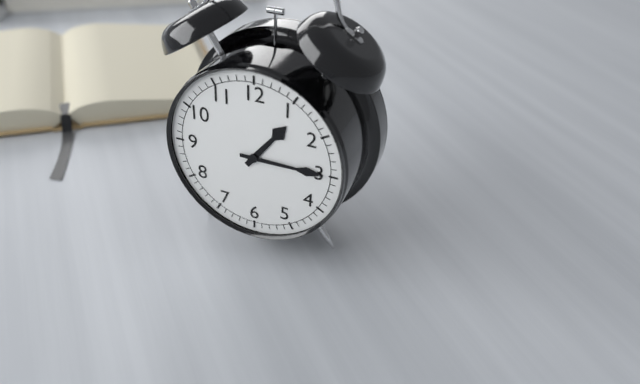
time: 1:15
